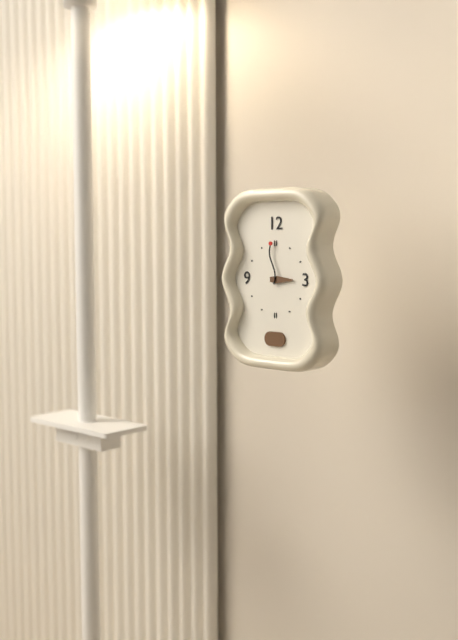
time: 2:59
